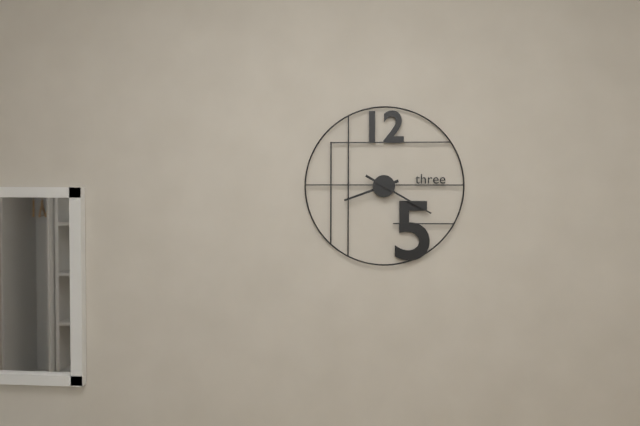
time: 8:20
